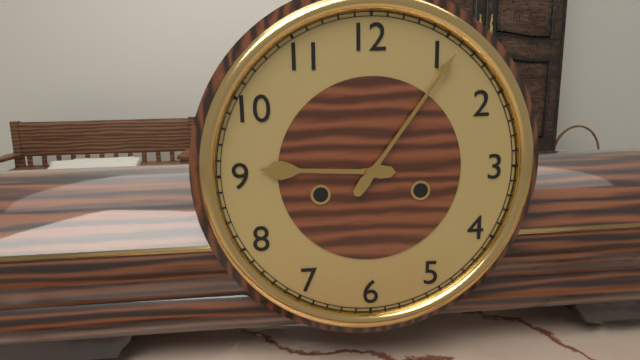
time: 9:06
